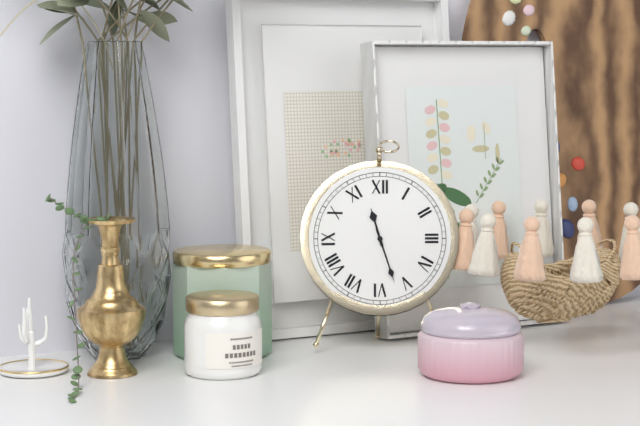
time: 11:27
